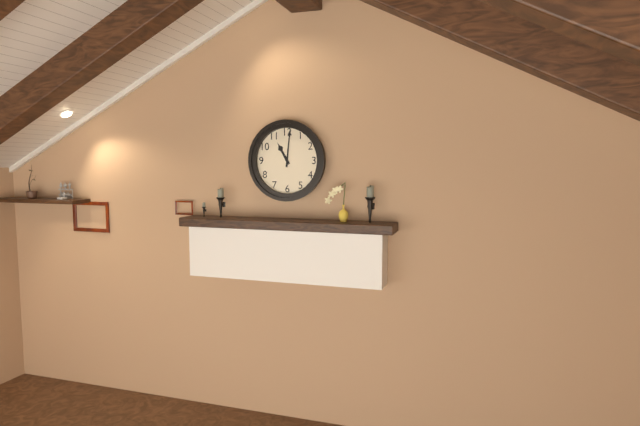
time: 11:01
